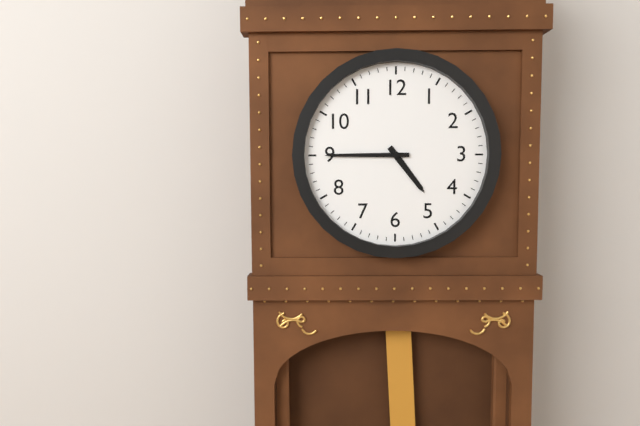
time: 4:45
